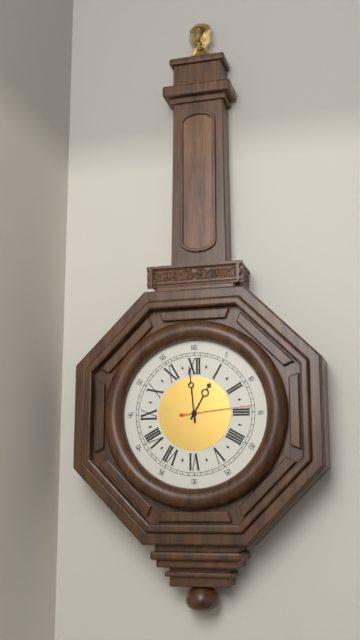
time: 12:59:14
